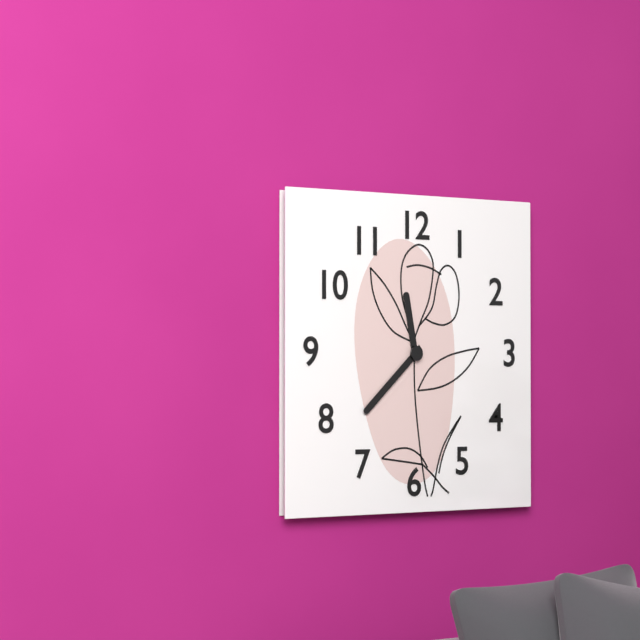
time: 11:38
